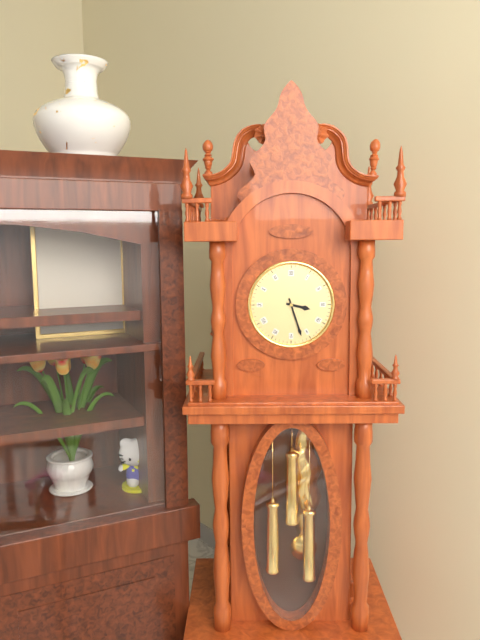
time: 3:27
